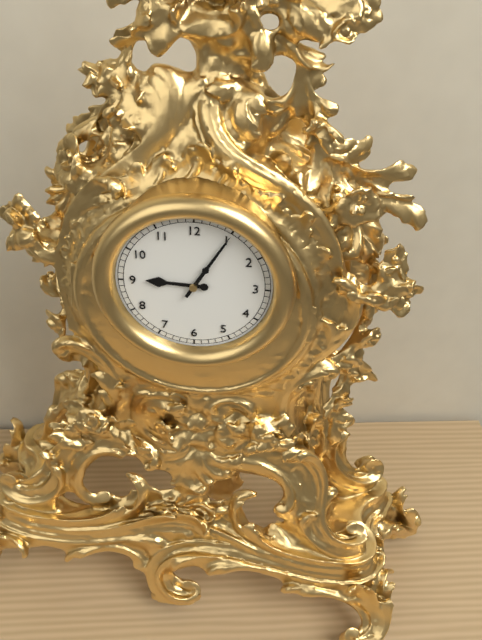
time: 9:05
